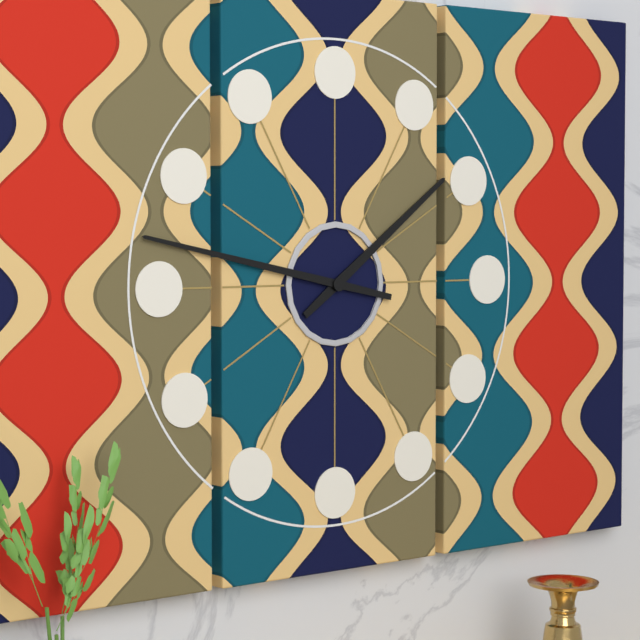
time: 1:47
